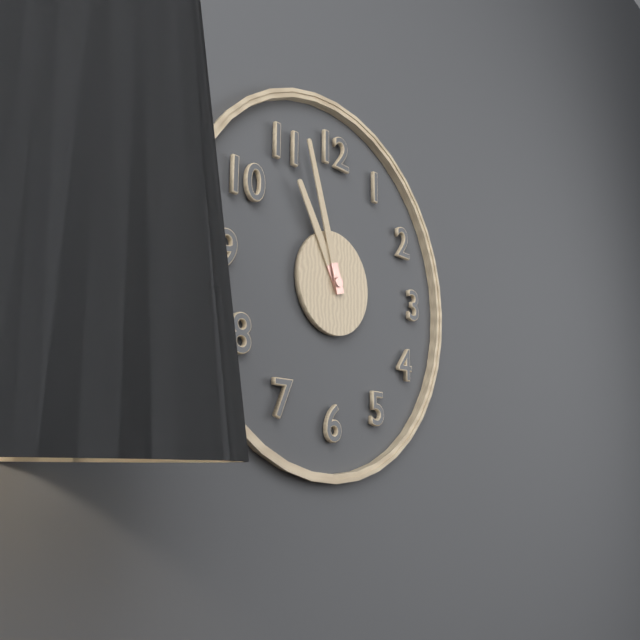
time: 10:57
